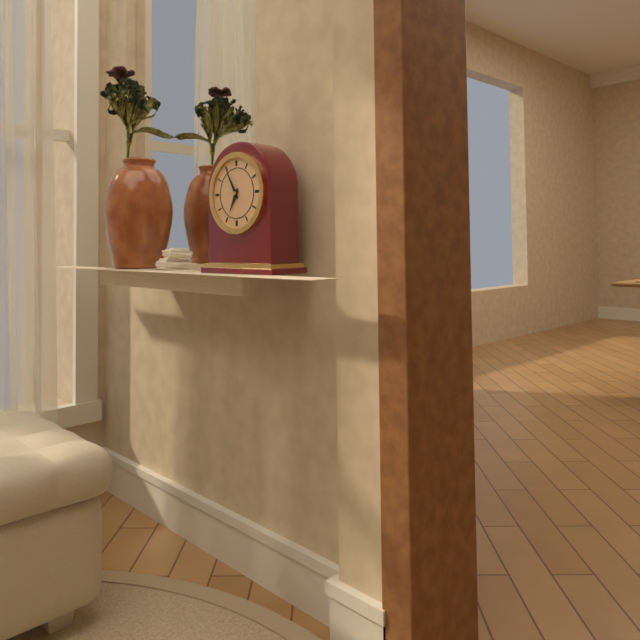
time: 6:55
